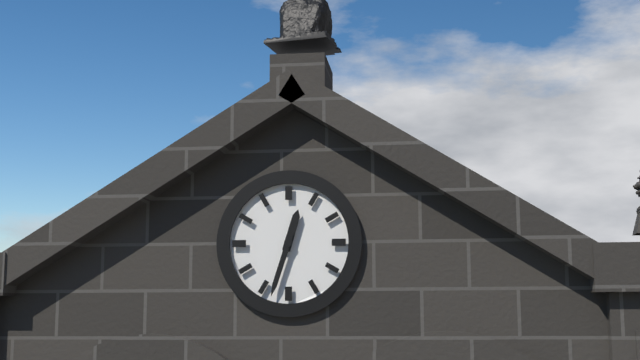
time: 12:33
